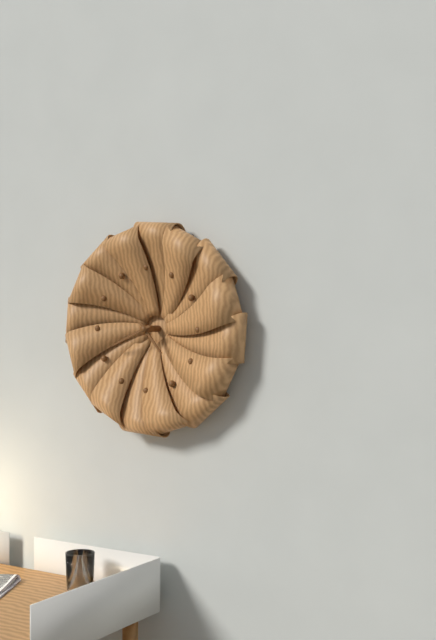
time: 4:41
